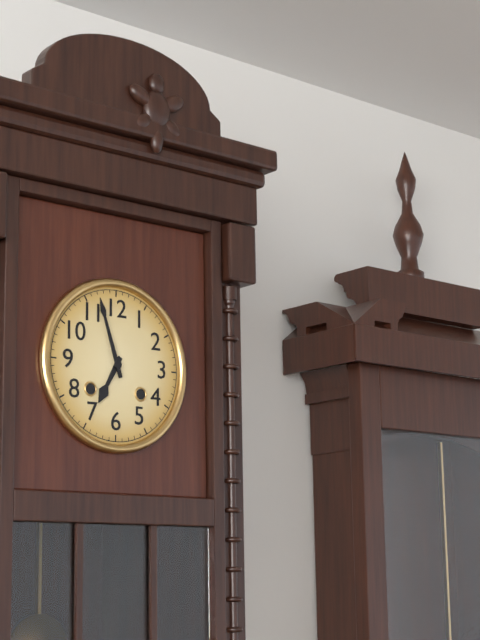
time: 6:57
